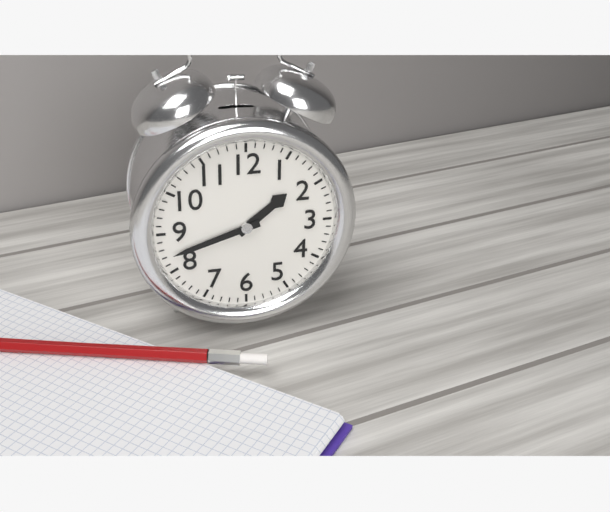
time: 1:42
